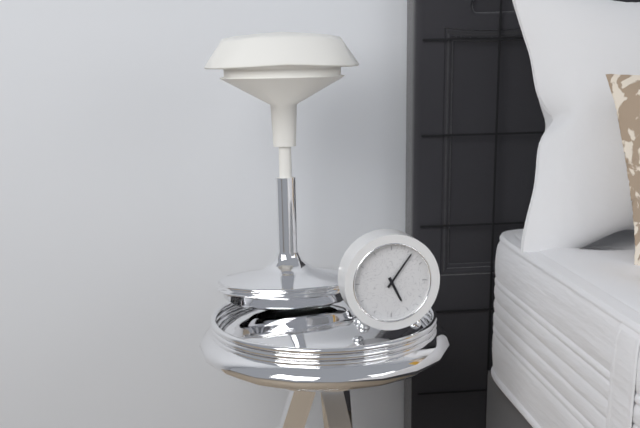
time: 5:06
